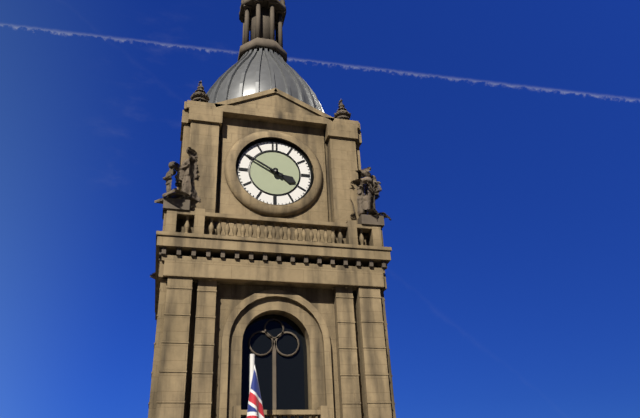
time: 3:50
